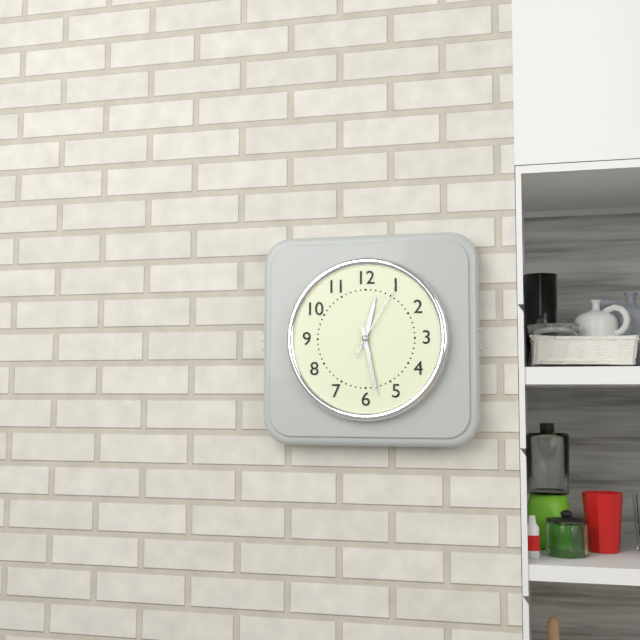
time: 12:28:05
